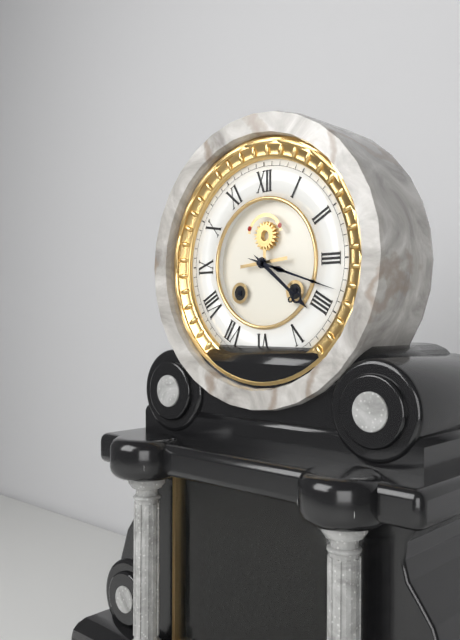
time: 4:18
